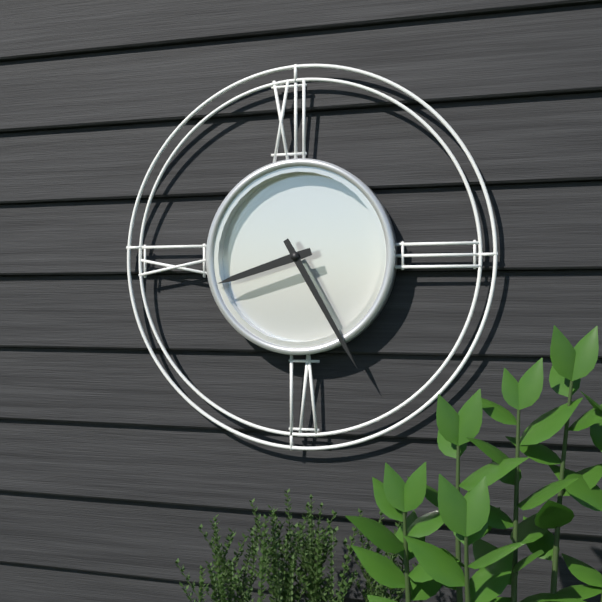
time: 8:25
